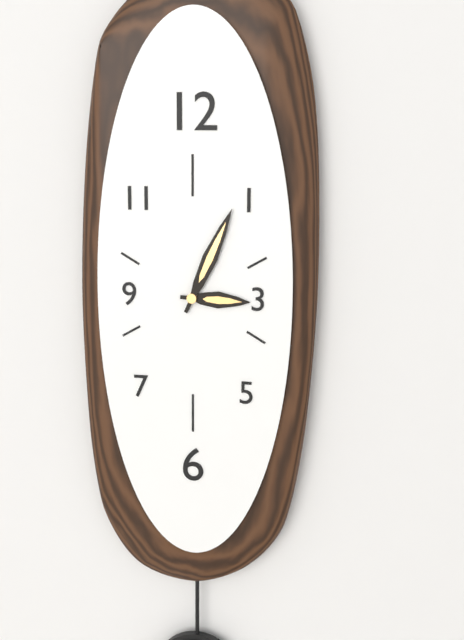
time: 3:04
